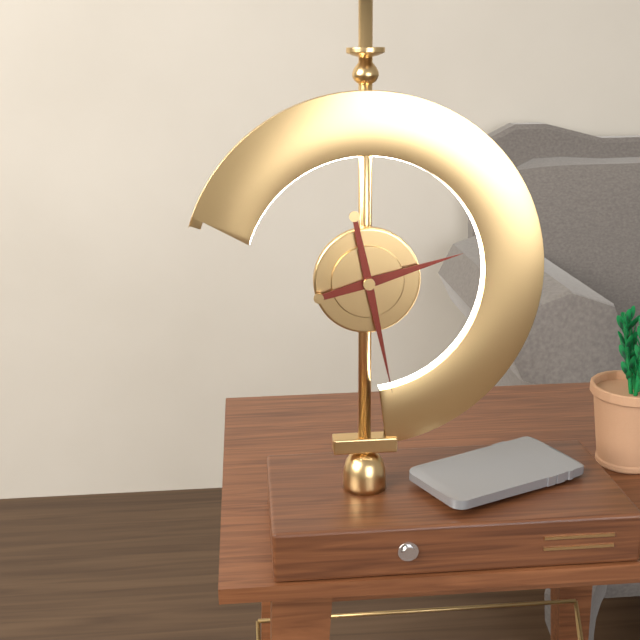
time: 2:28
